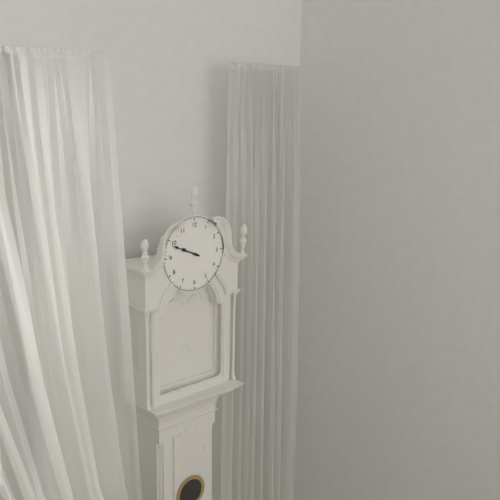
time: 9:49
